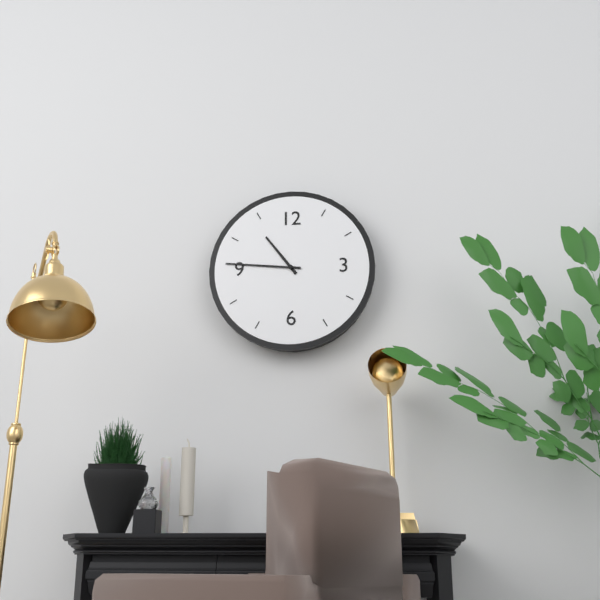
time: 10:46
